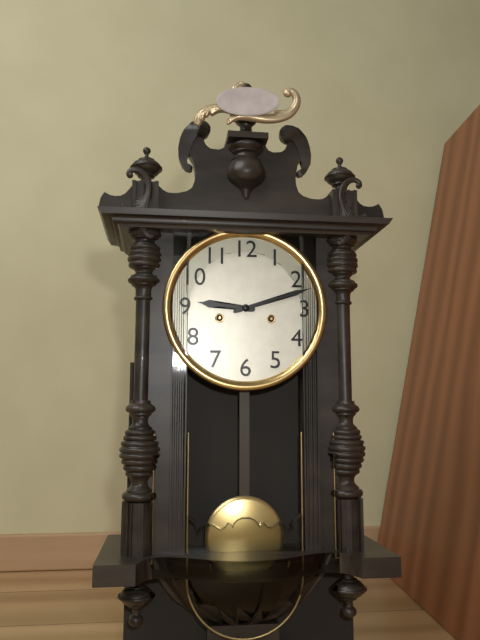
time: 9:12
